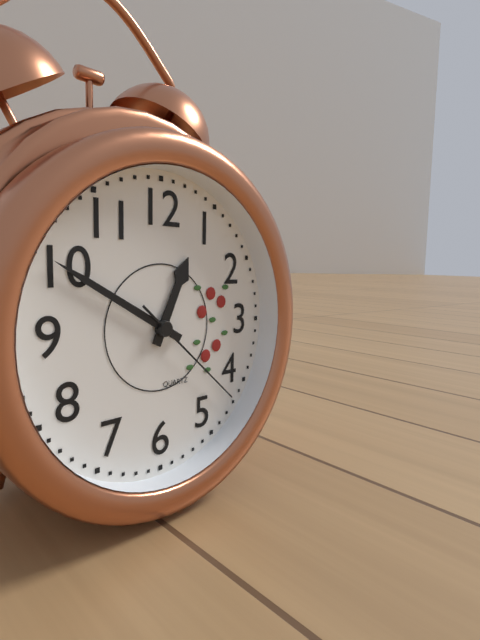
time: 12:50:22
